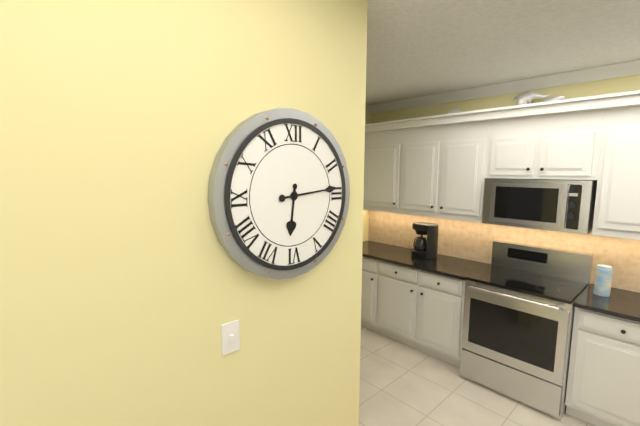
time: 6:14
